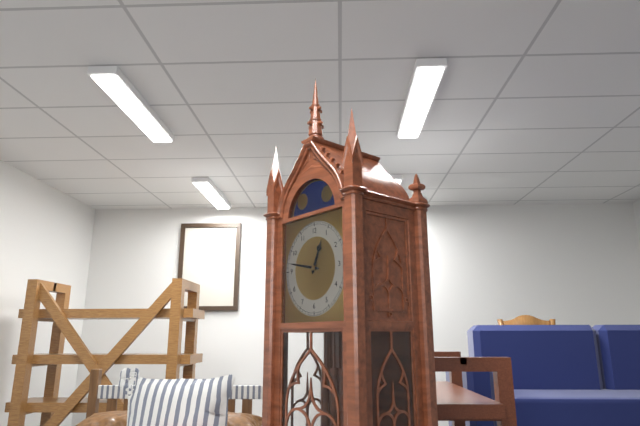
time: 12:47
